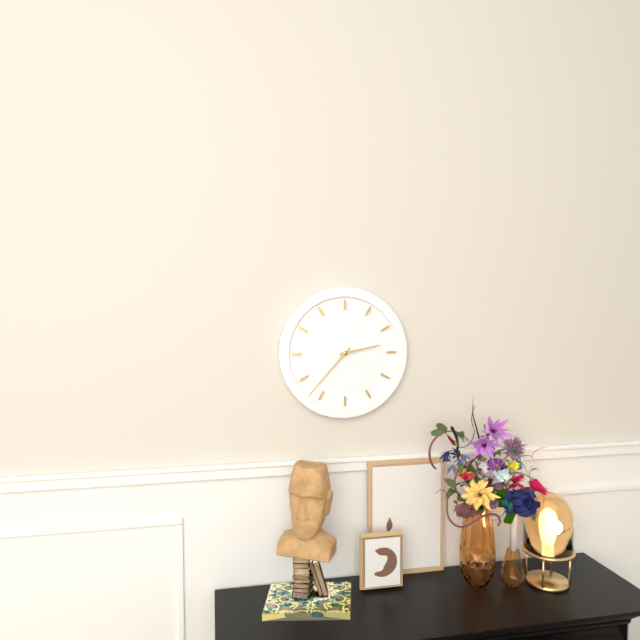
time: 2:37
